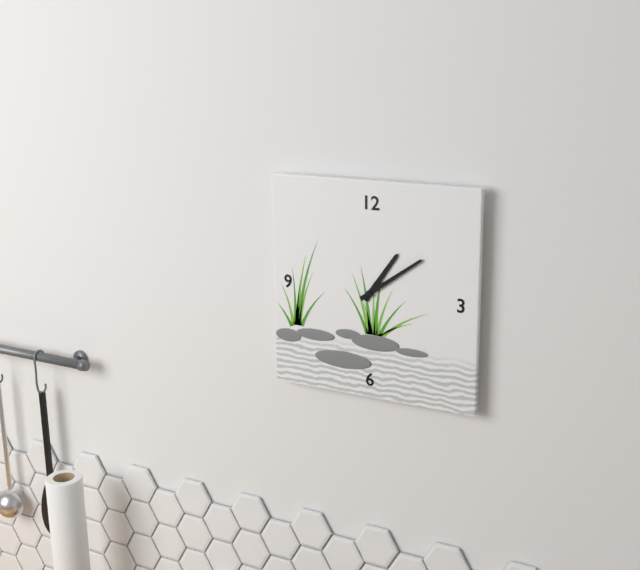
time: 1:09
